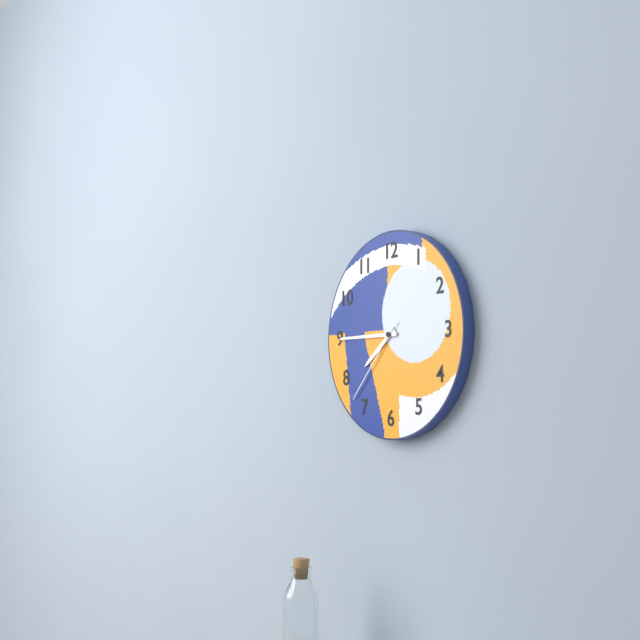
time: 7:45:37
